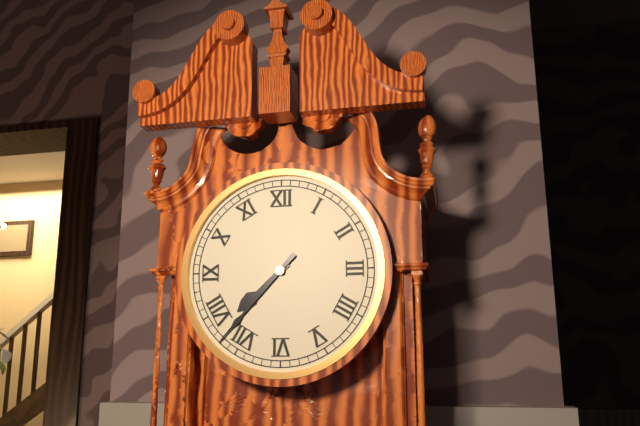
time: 7:37
